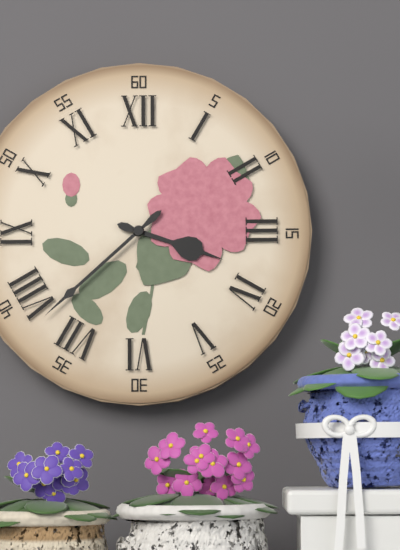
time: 3:38
